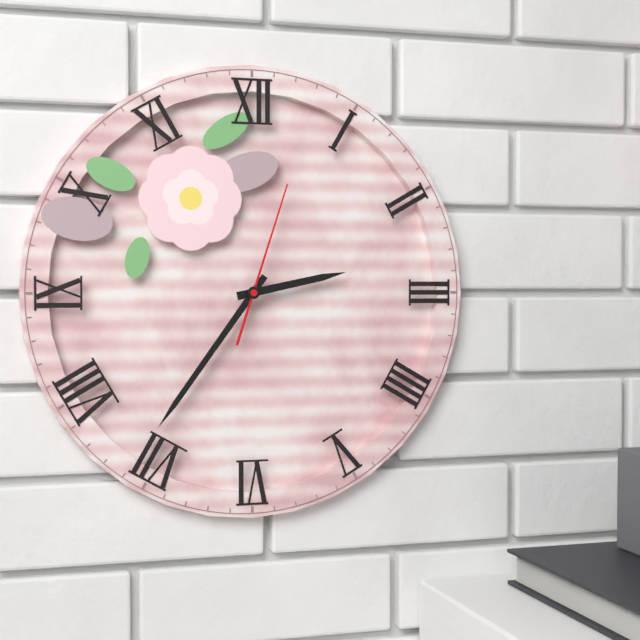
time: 2:36:03
